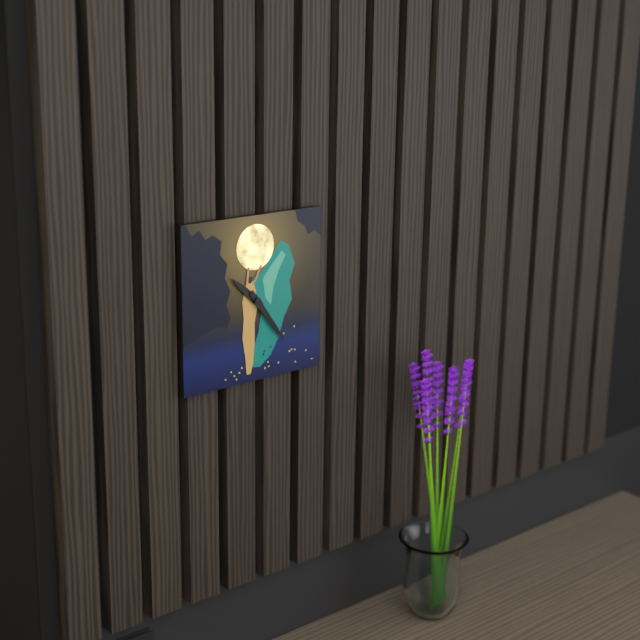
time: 10:24
